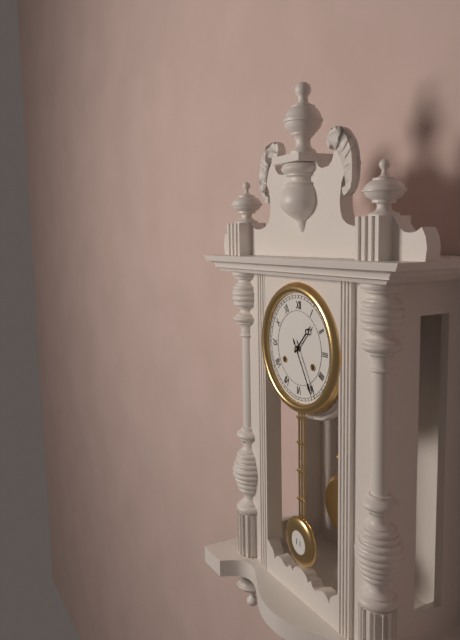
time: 1:25
